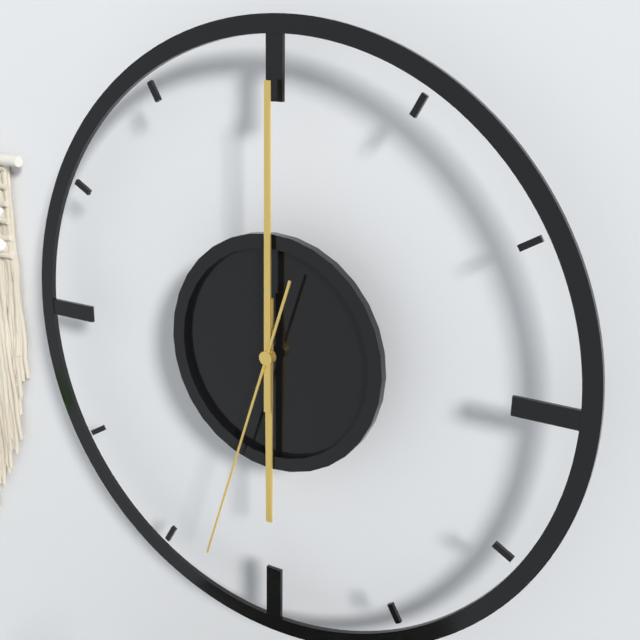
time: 6:00:33
